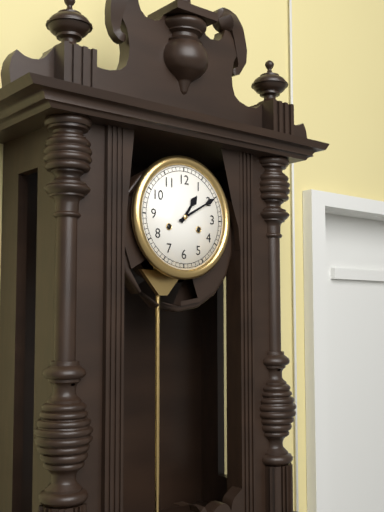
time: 1:10
